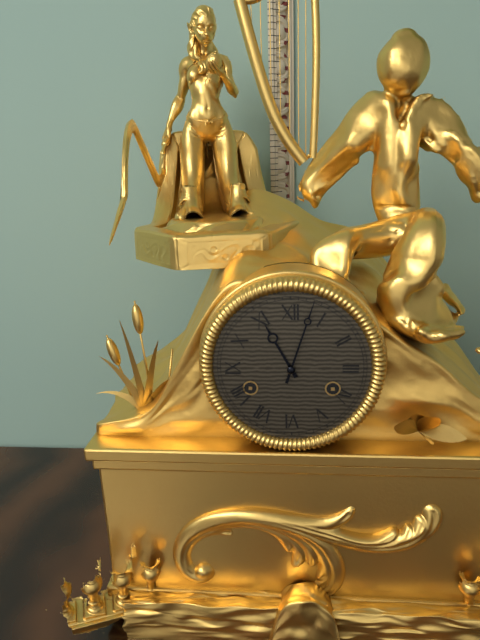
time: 11:03
